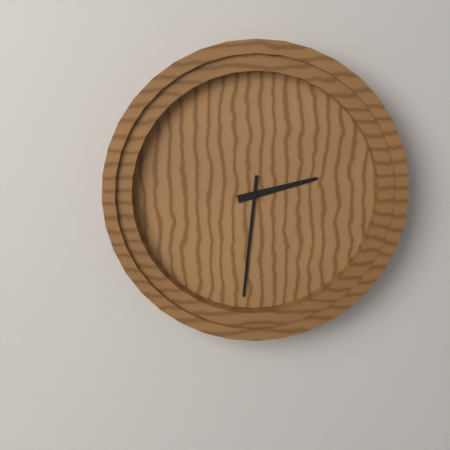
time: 2:31
